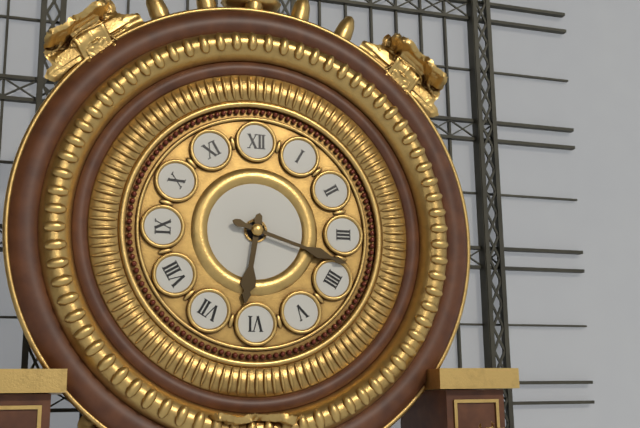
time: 6:18
